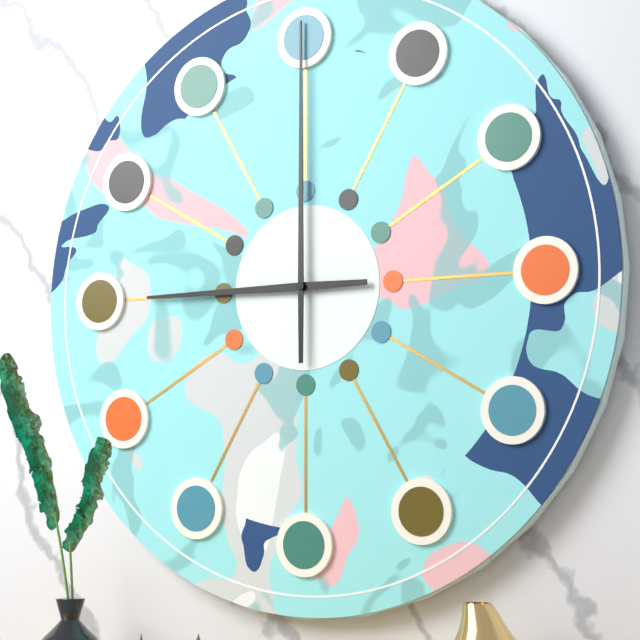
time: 9:00
